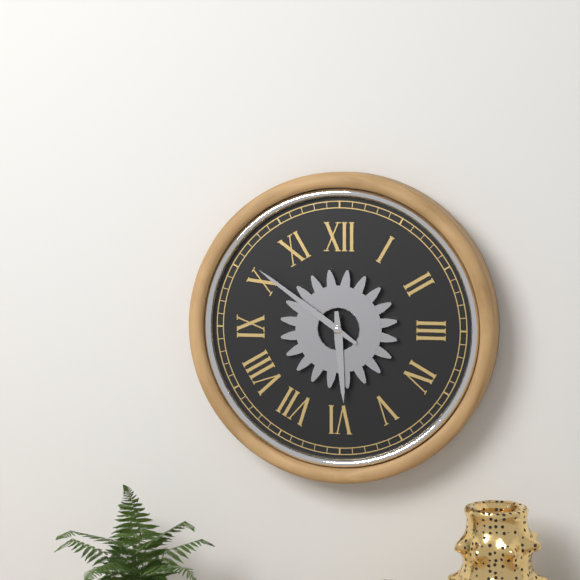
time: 5:51
